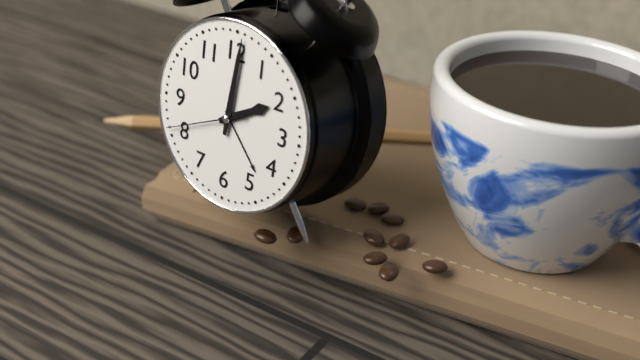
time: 2:01:41
